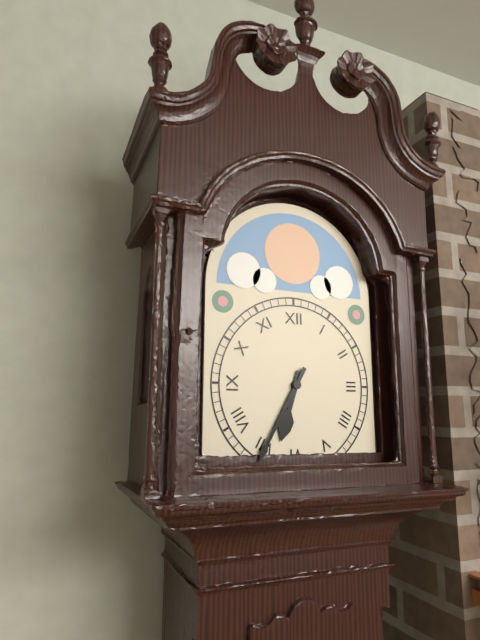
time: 6:35
